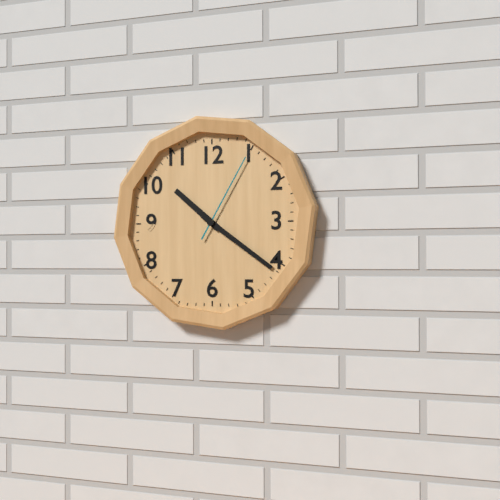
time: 10:21:05
